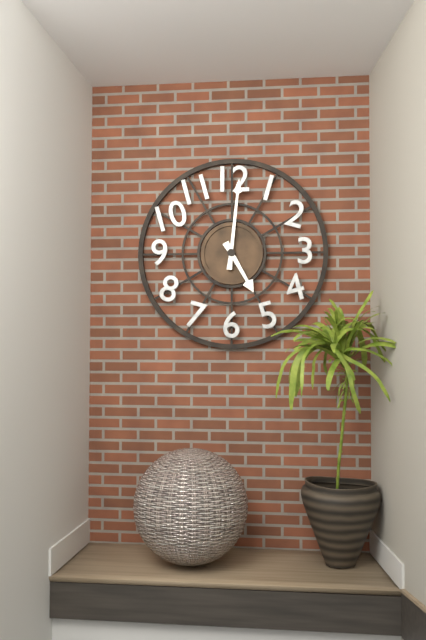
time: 5:01
